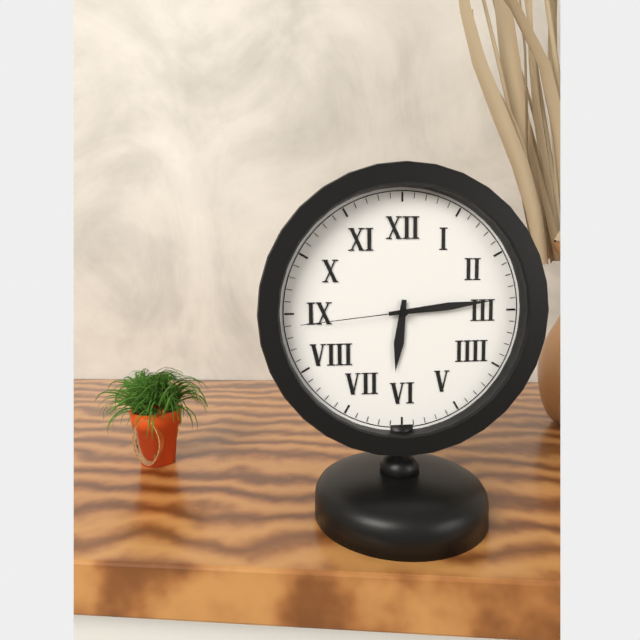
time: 6:14:44
